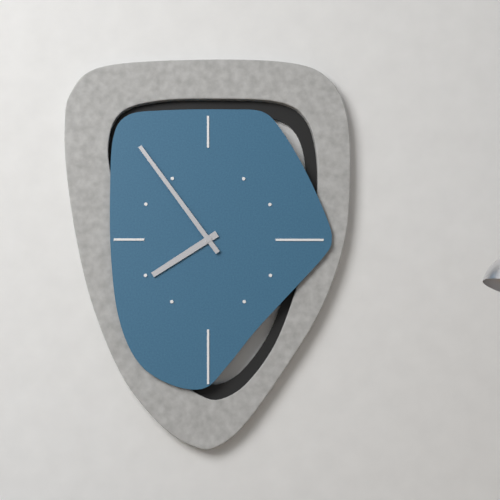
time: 7:54
